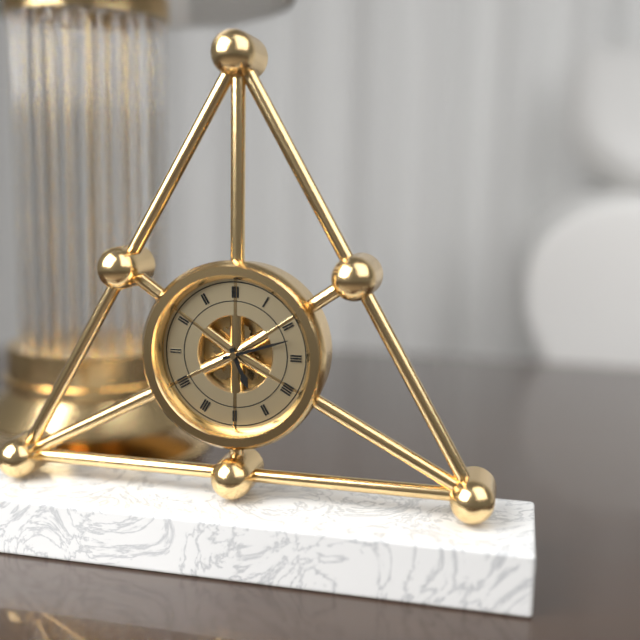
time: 5:12
